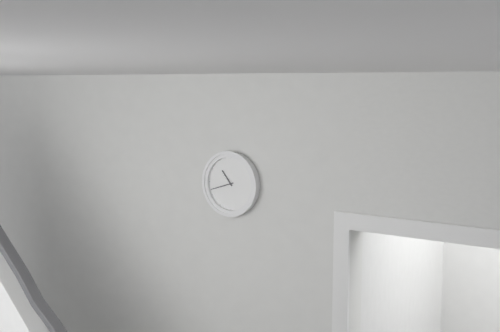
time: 10:42
